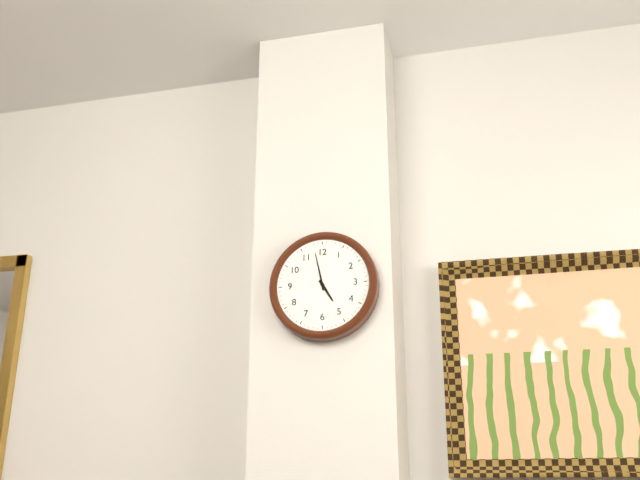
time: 4:58
